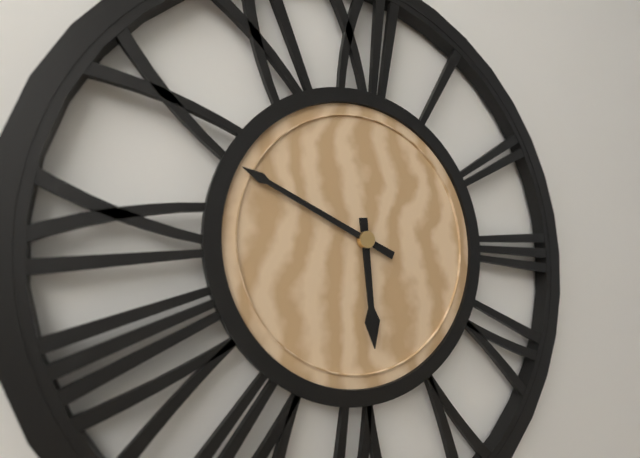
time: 5:49
